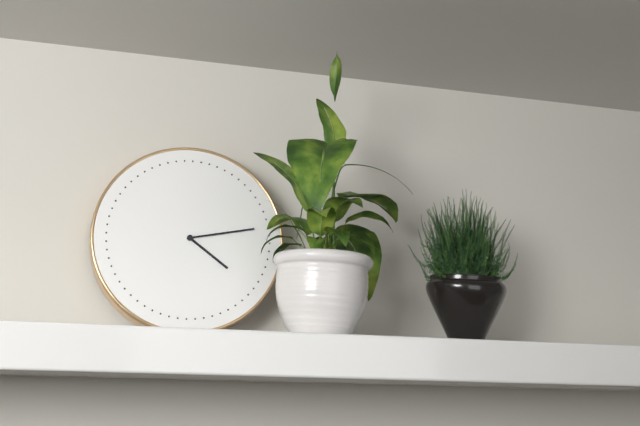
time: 4:13
